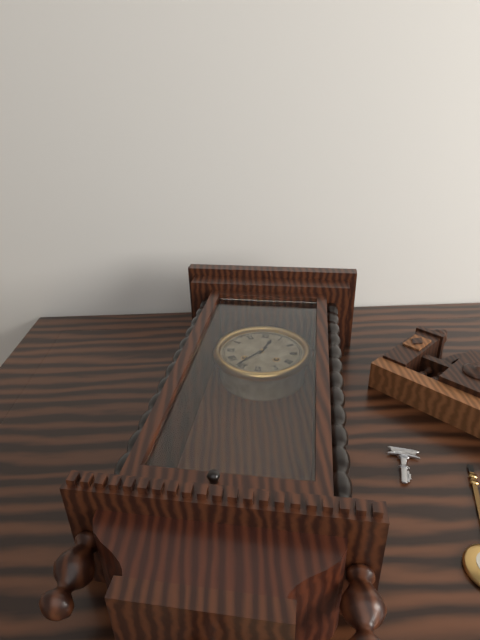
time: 12:36
